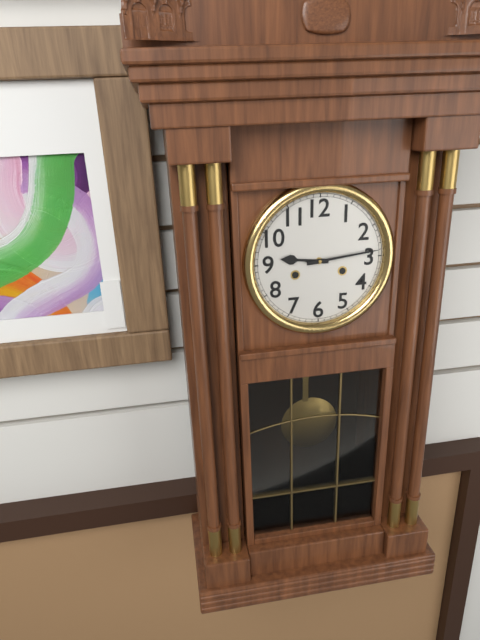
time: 9:14
